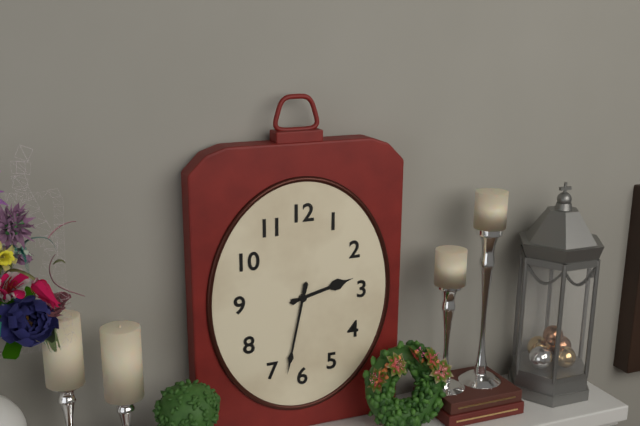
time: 2:32
